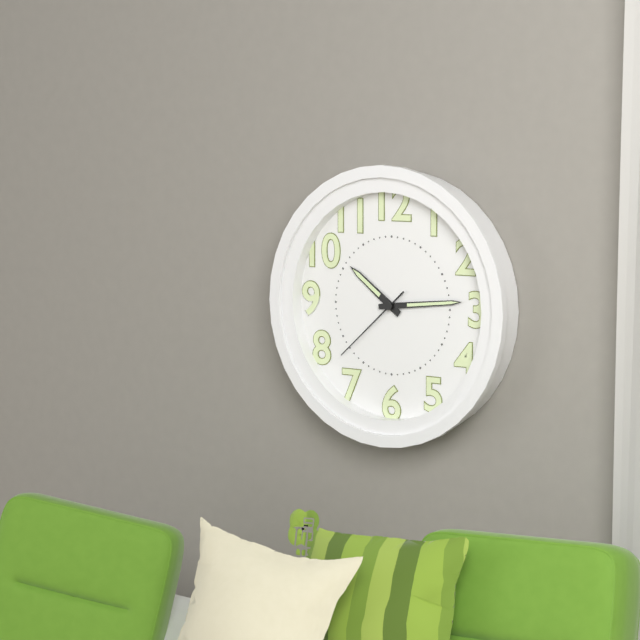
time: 10:14:38
